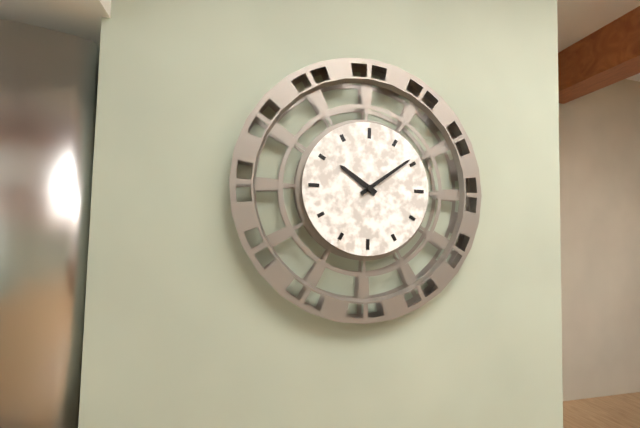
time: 10:09
